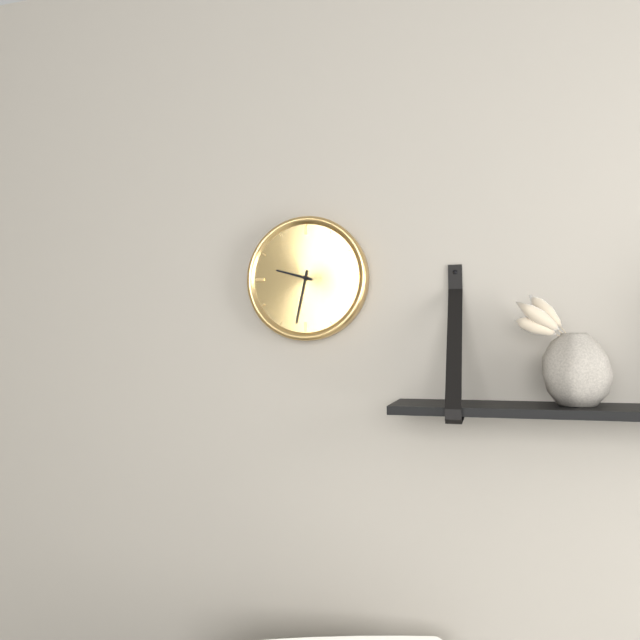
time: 9:32
